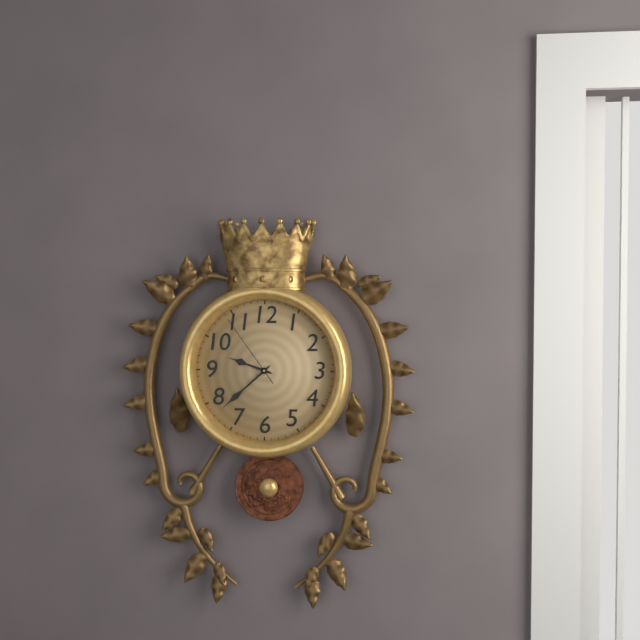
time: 9:38:54
